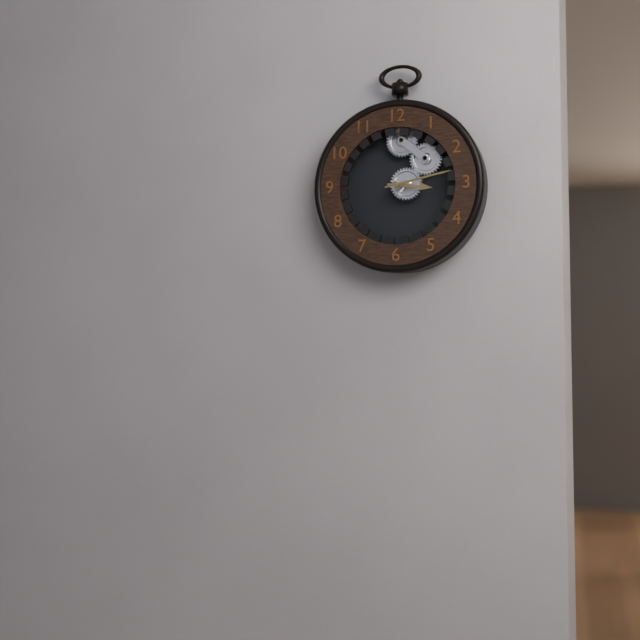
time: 3:13
